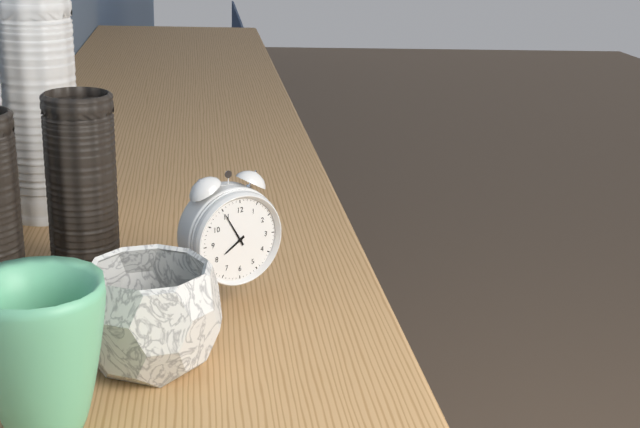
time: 7:55
